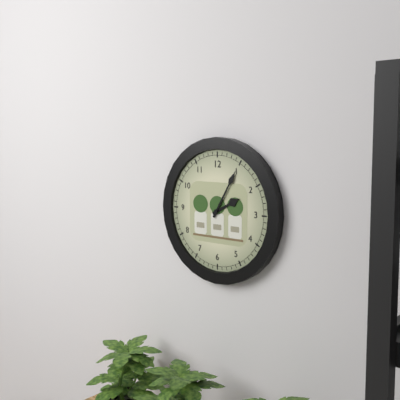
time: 2:05
